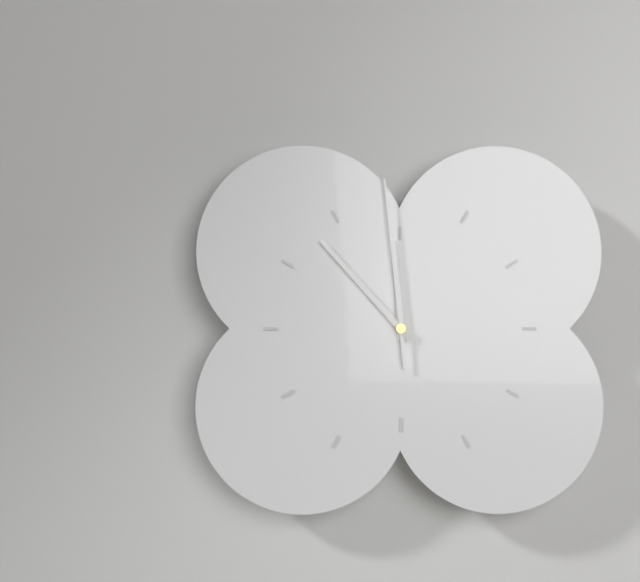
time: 11:53:59
